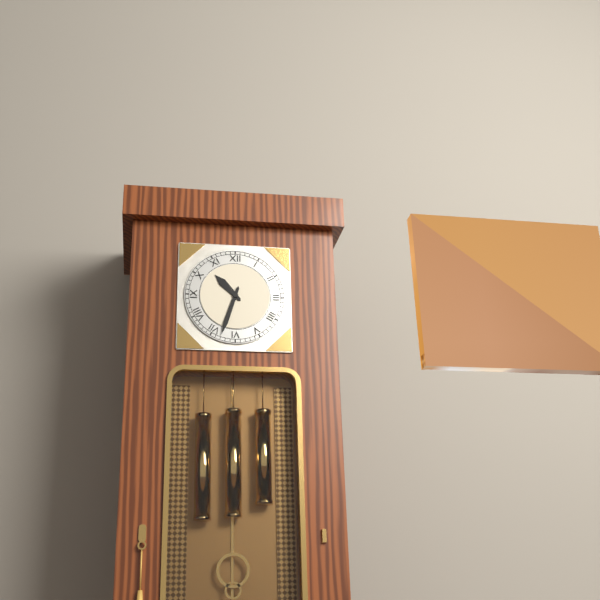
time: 10:33
